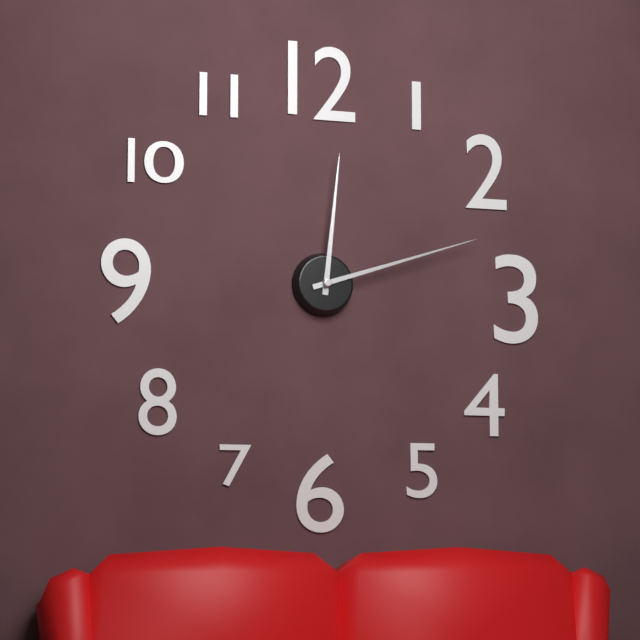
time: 12:12
